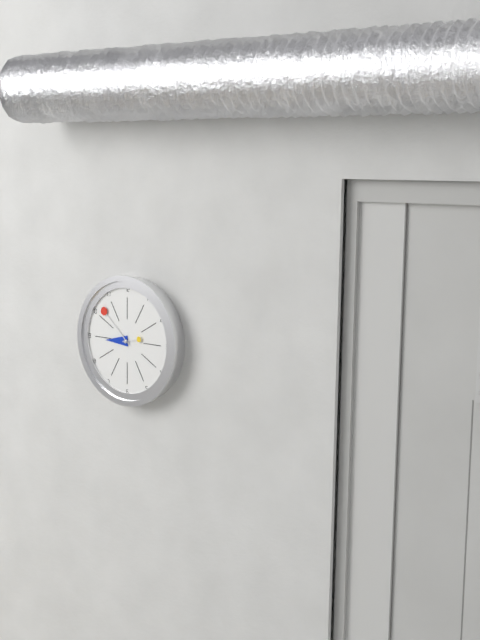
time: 8:52
